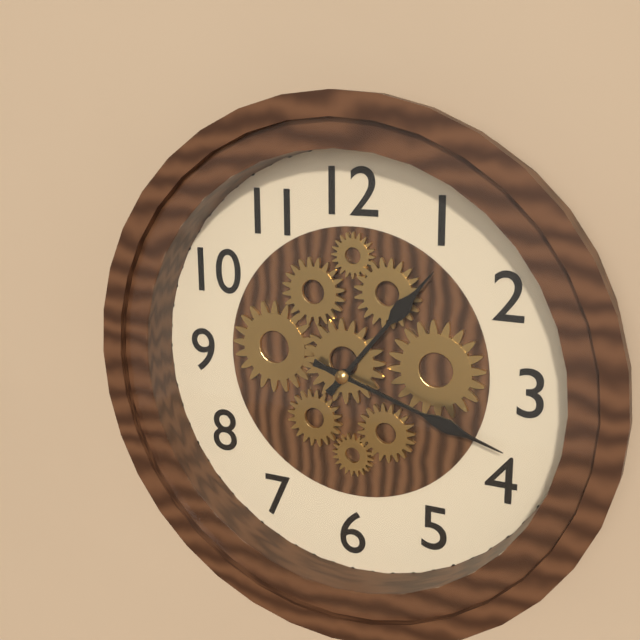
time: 1:18
